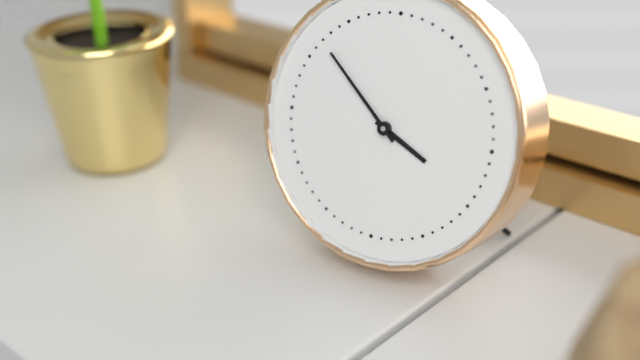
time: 3:52
